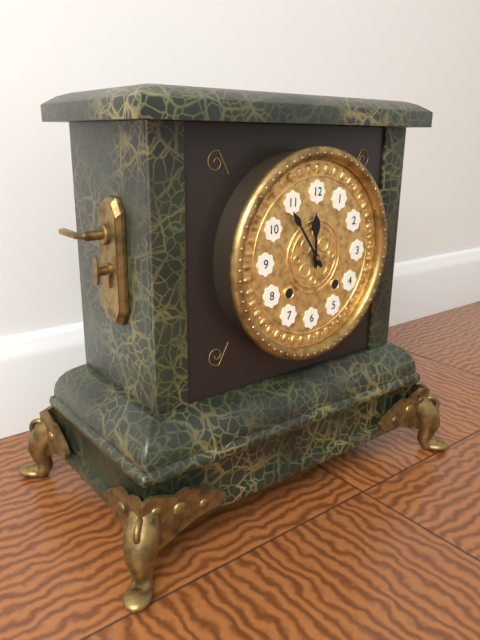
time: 11:54
